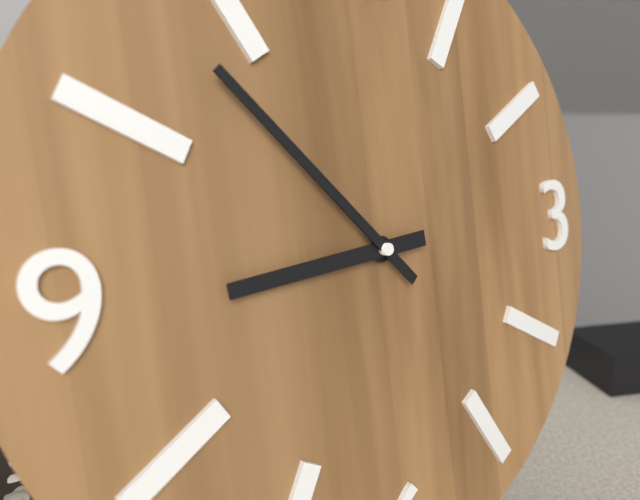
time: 8:53
